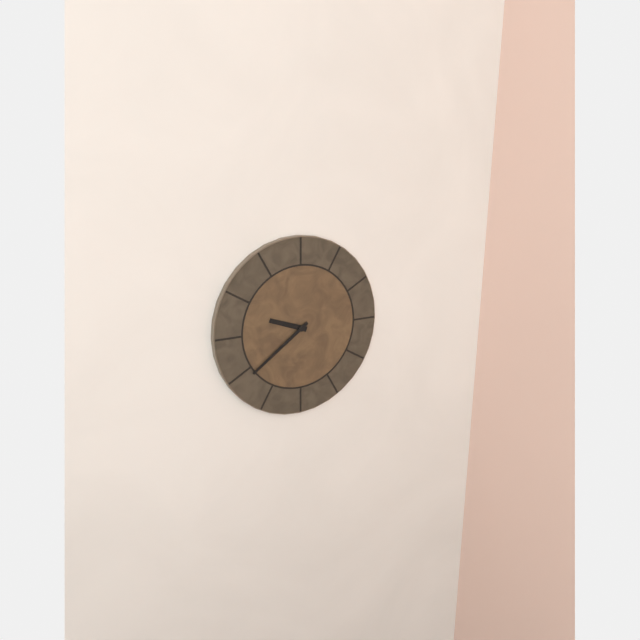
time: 9:39
